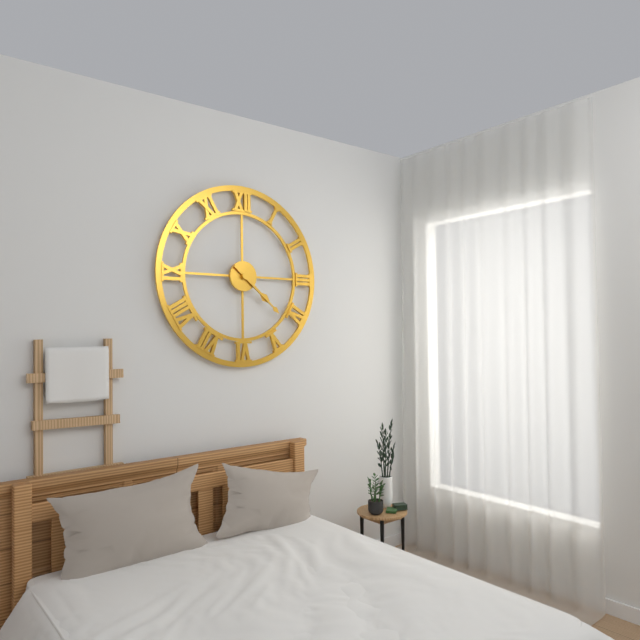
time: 4:22
